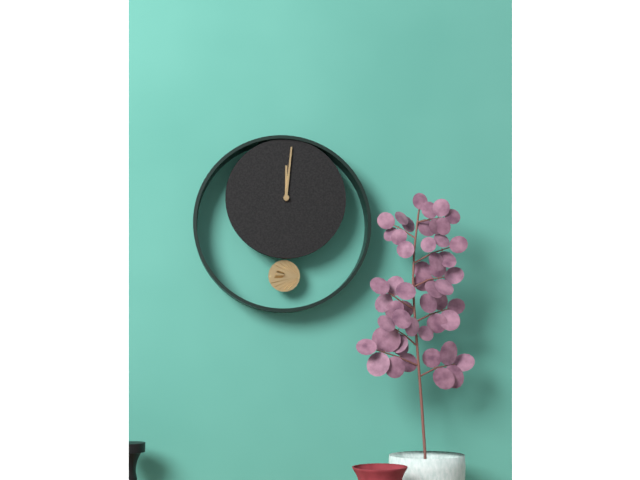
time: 12:01
